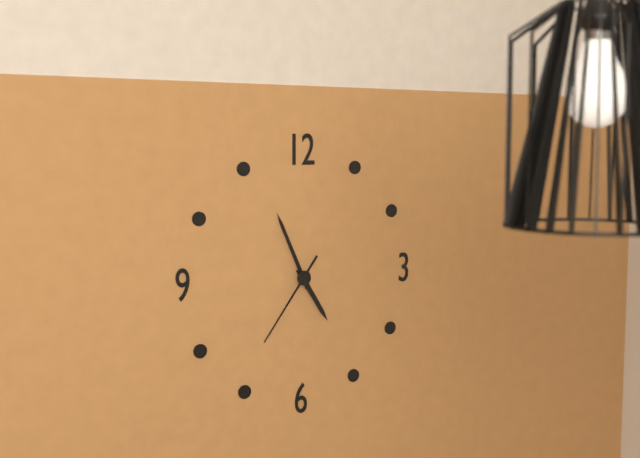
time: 4:56:36
